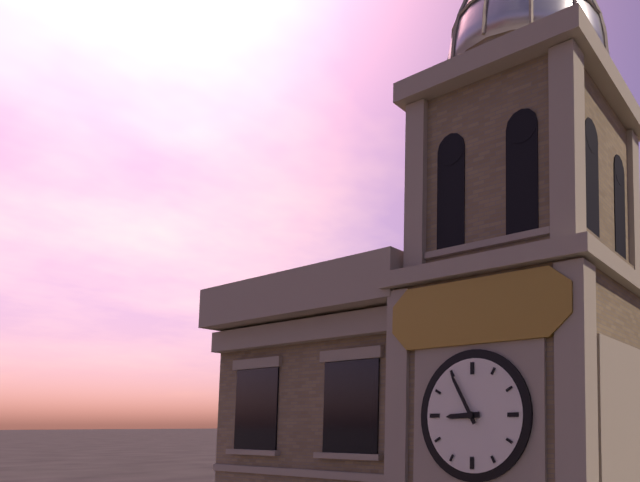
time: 8:55
